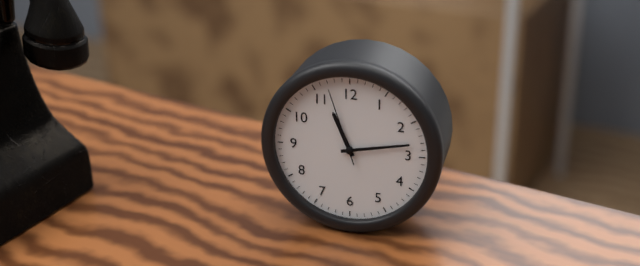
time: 11:13:57
